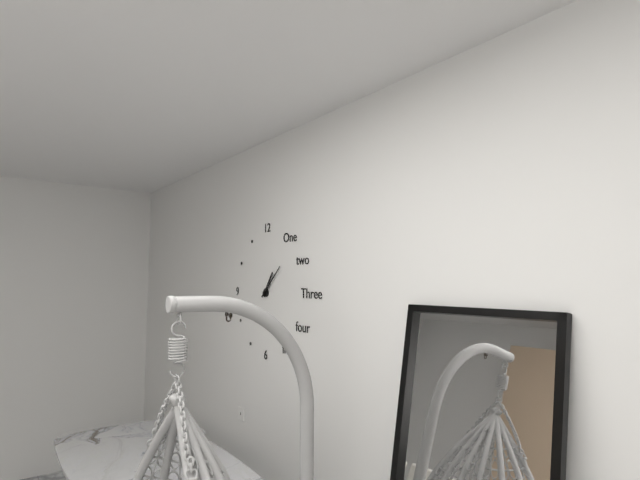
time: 1:08
